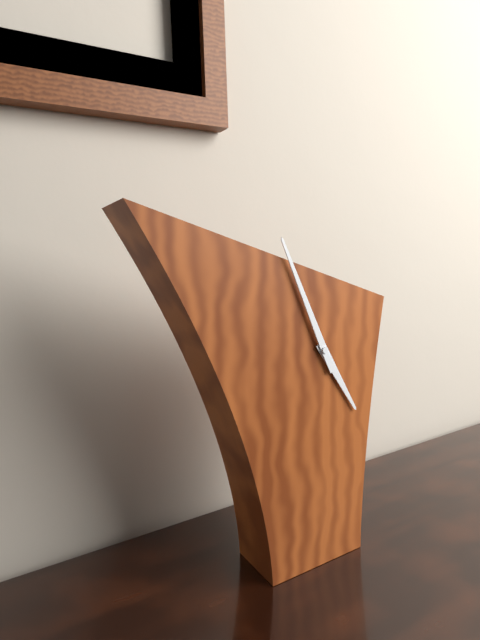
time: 4:56
